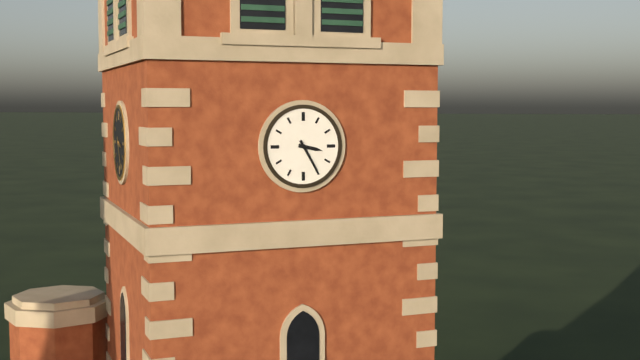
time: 3:25
